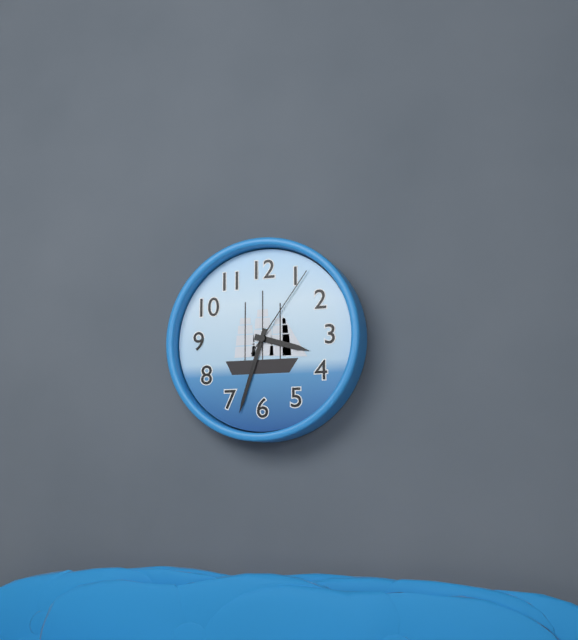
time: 3:33:06
